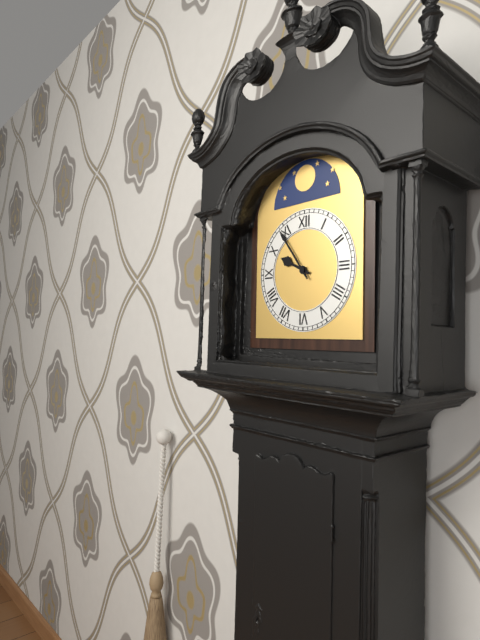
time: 9:54
